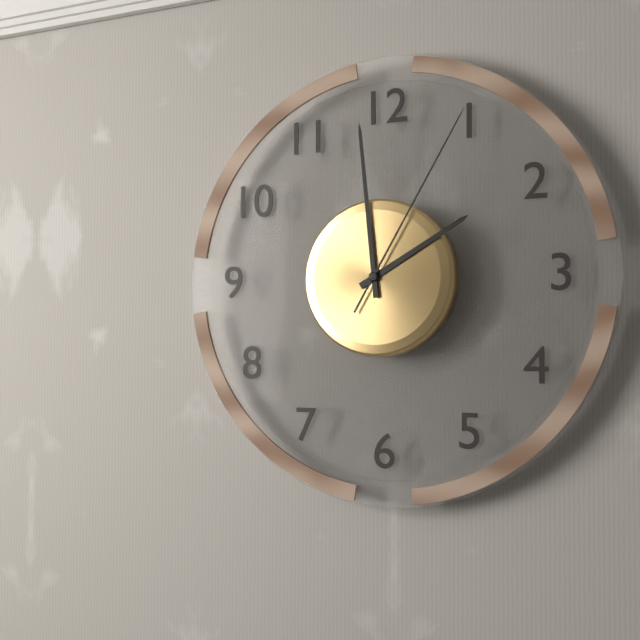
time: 1:59:05
